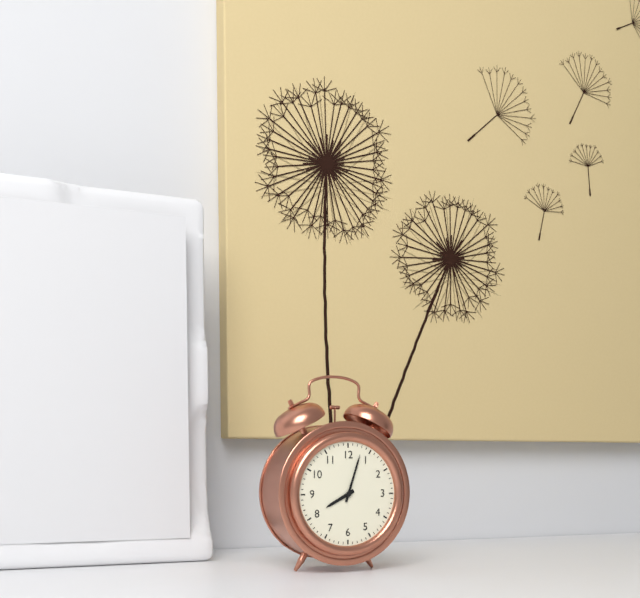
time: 8:03
